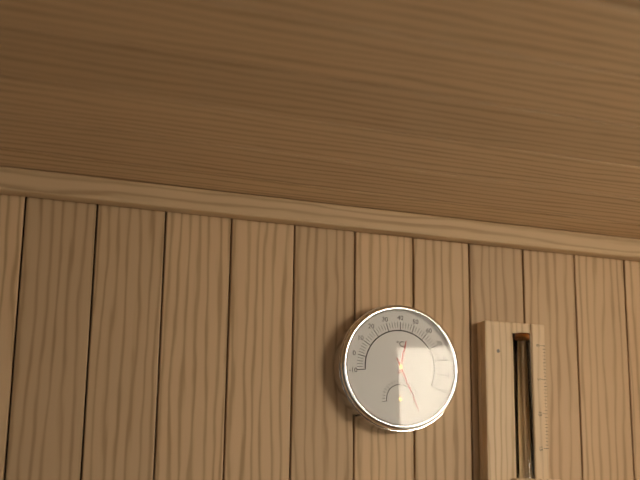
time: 12:26
